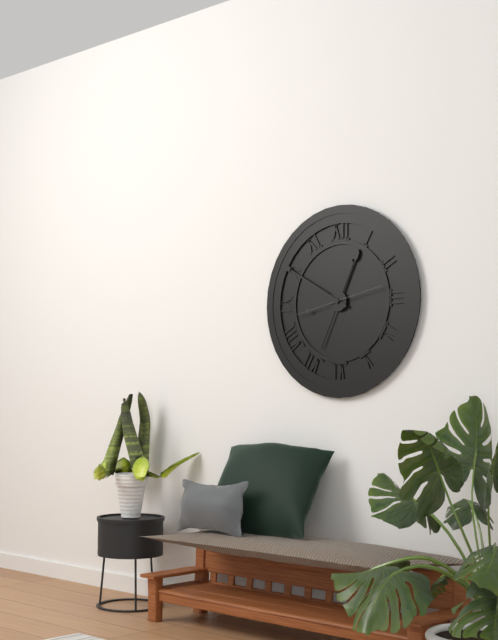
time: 12:50:13
